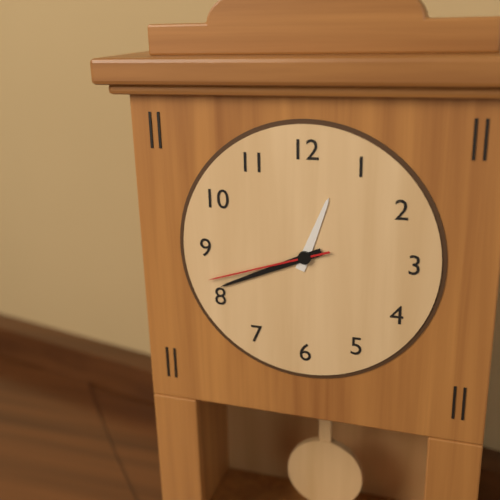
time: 12:41:42
